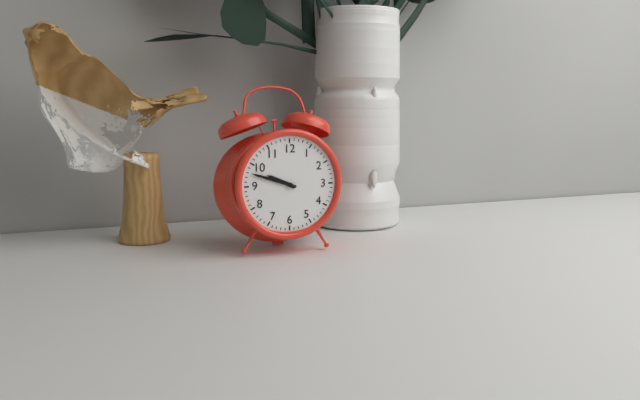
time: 9:48
